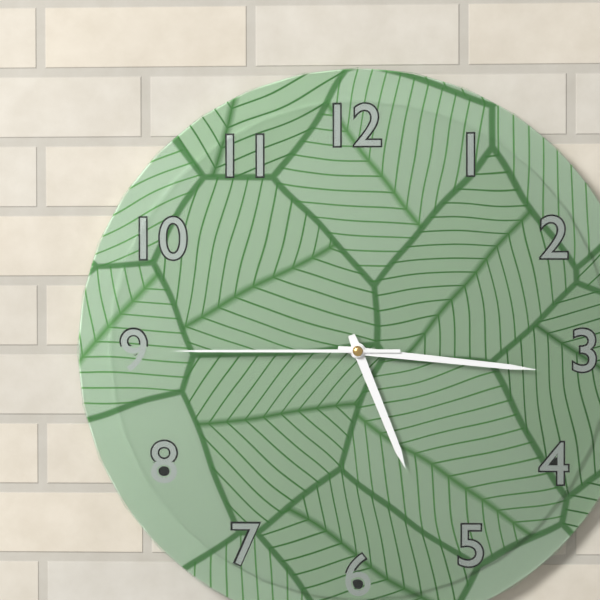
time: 5:16:45
